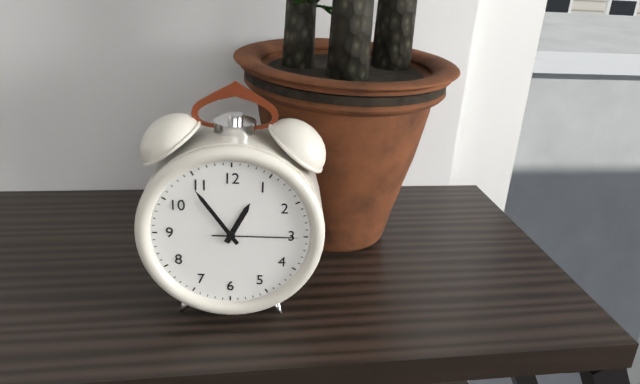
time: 12:54:15
